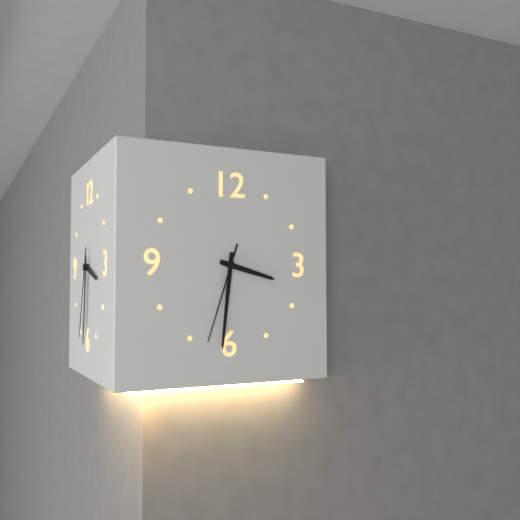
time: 3:31:33
